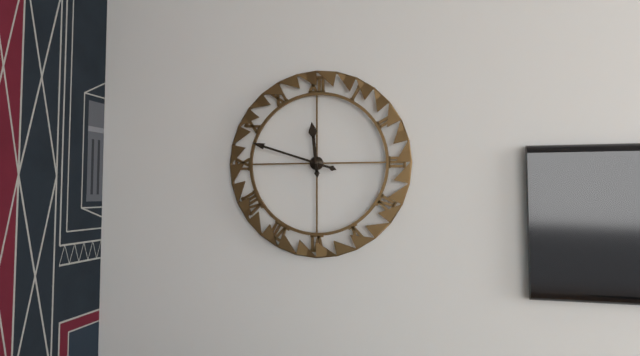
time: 11:48
